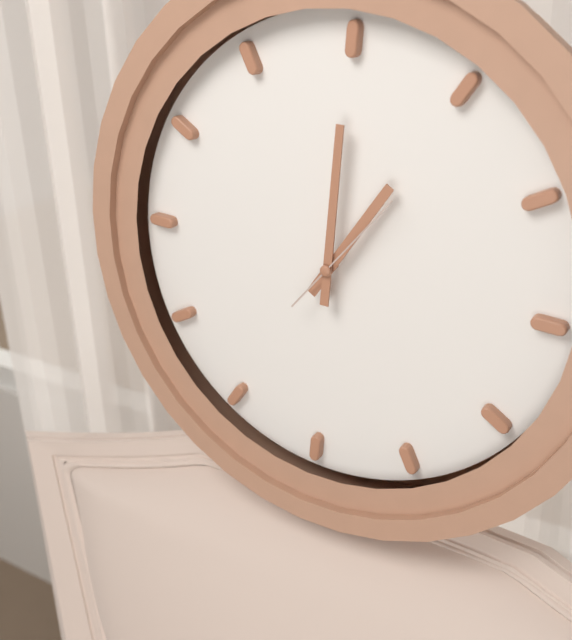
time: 1:00:06
